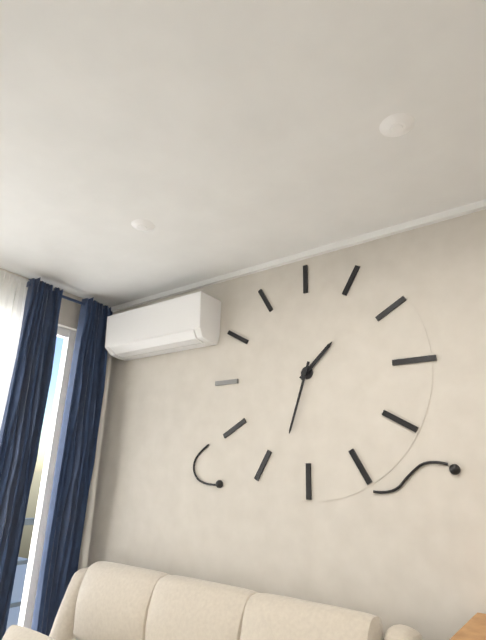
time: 1:33
